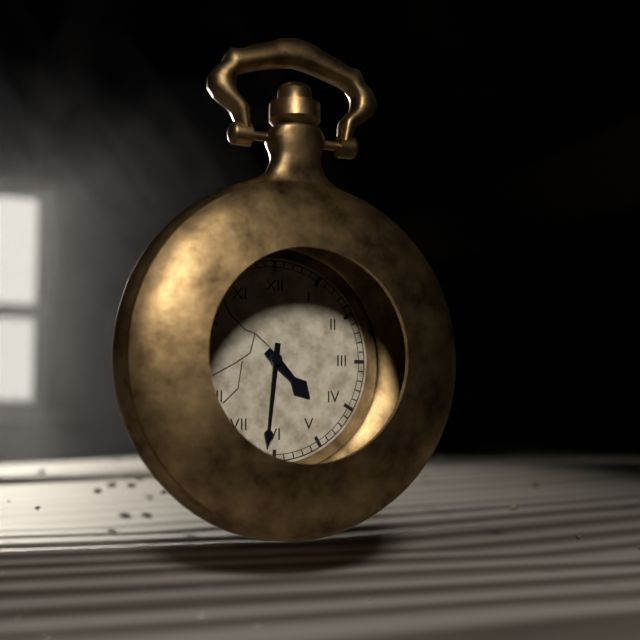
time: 4:31
